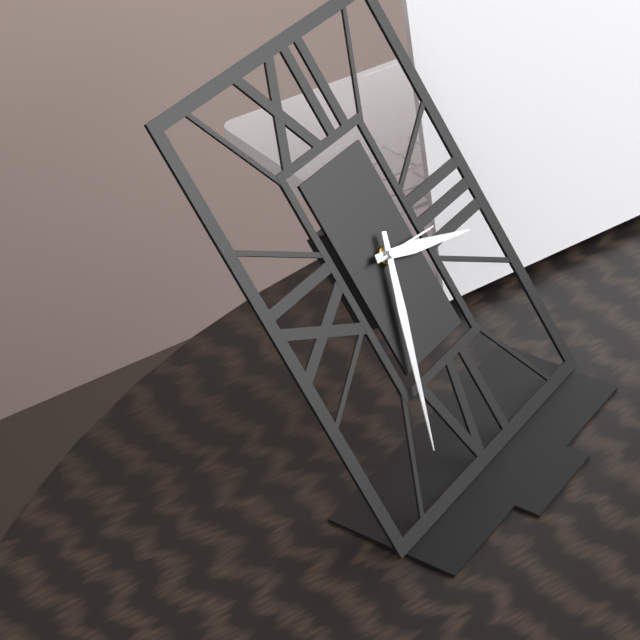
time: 3:34:16
